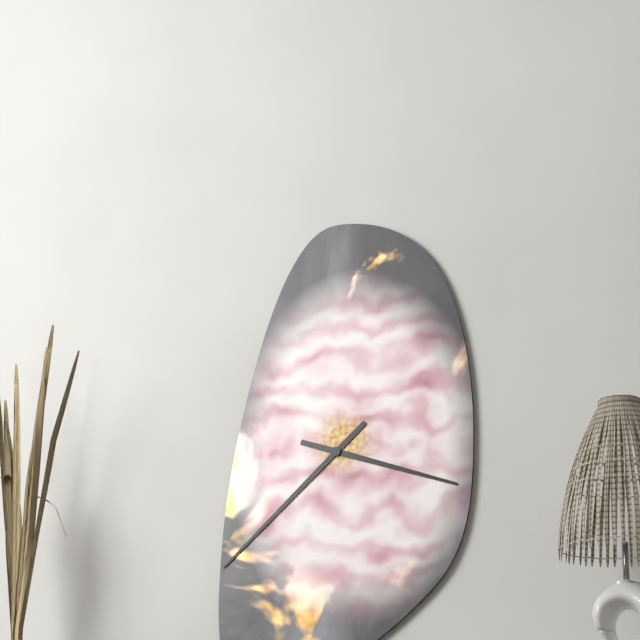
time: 3:38
